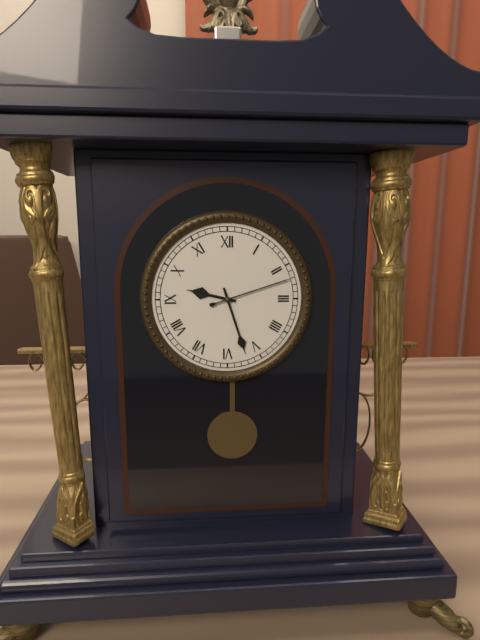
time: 9:27:12
